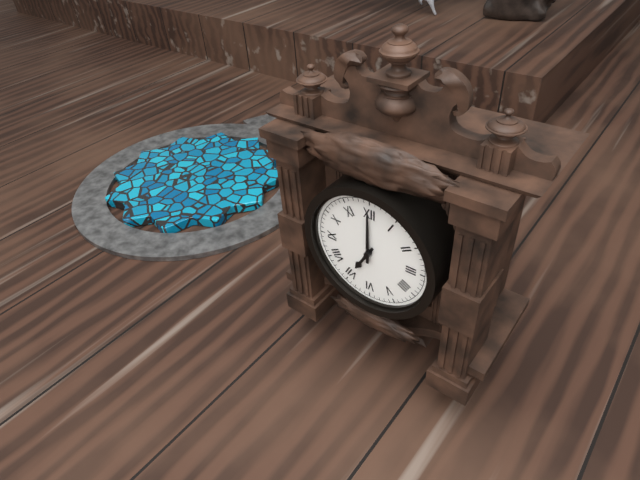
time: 7:00
